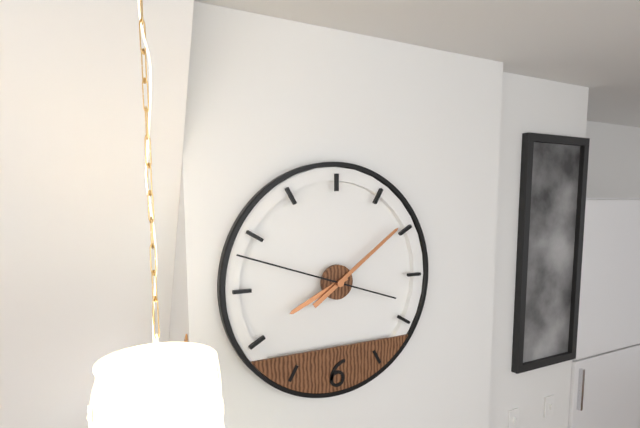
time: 8:09:48
